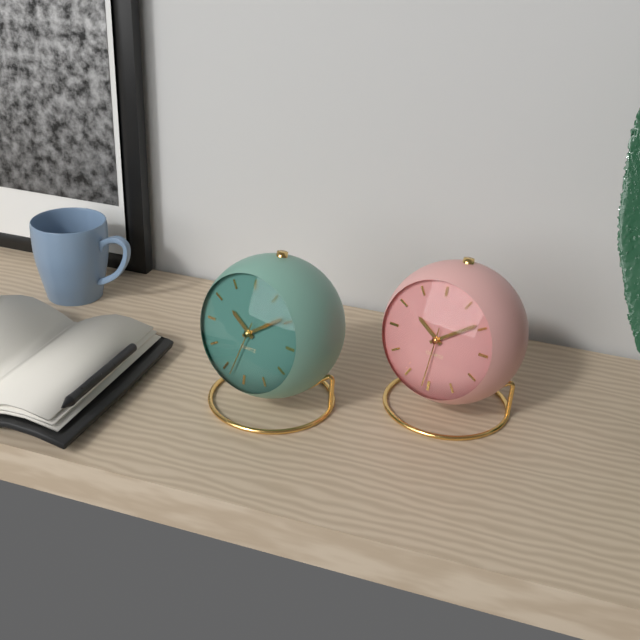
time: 10:09:33
